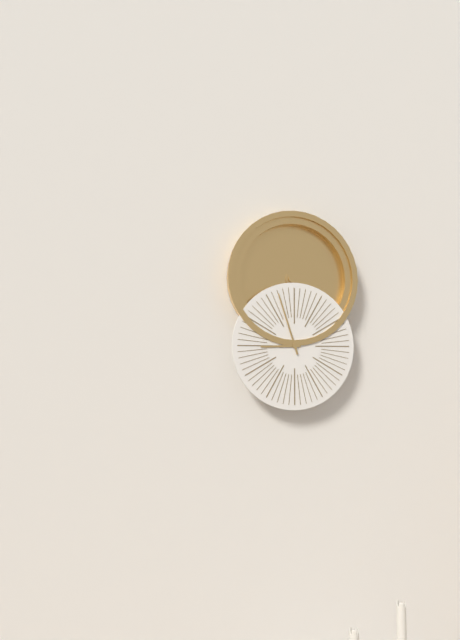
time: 8:57
